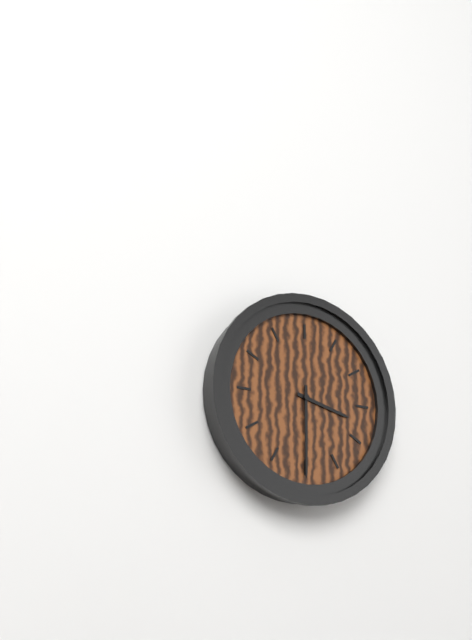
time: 3:30
